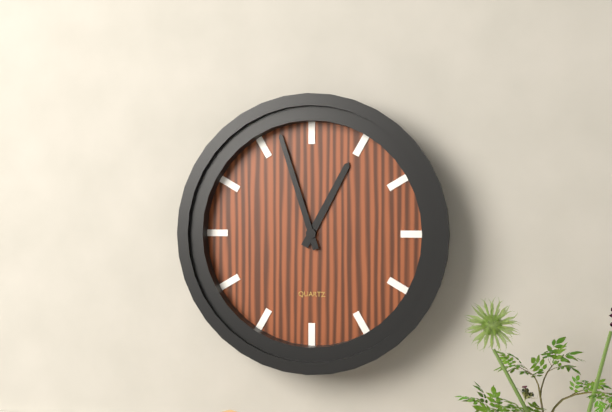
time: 12:57
